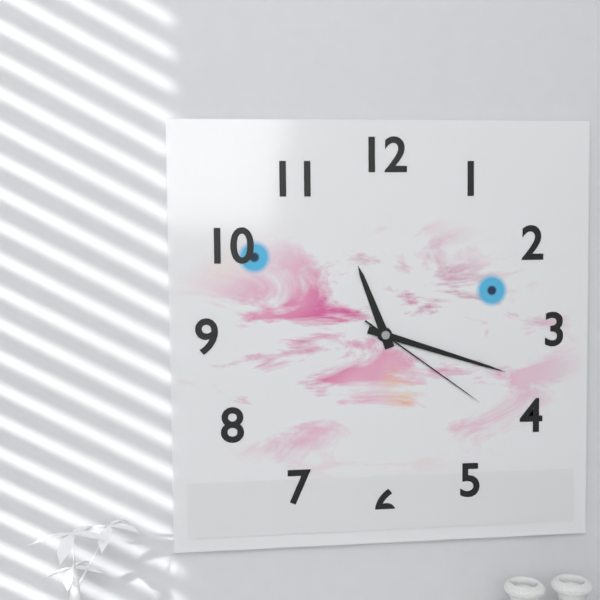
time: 11:18:21
